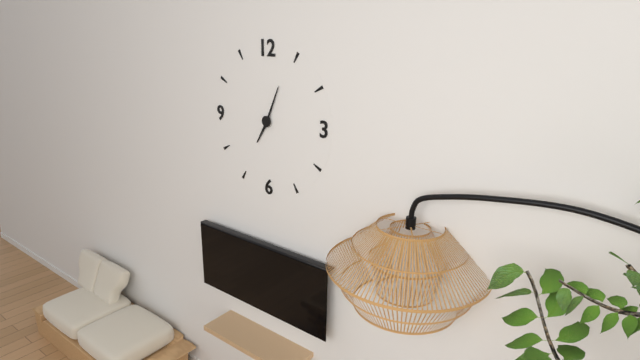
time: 7:04
